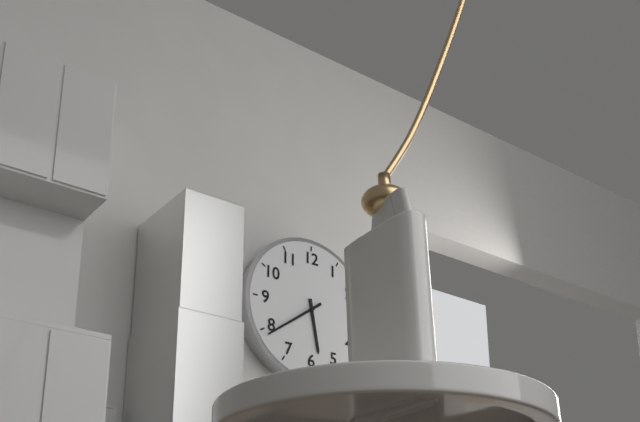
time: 5:39
